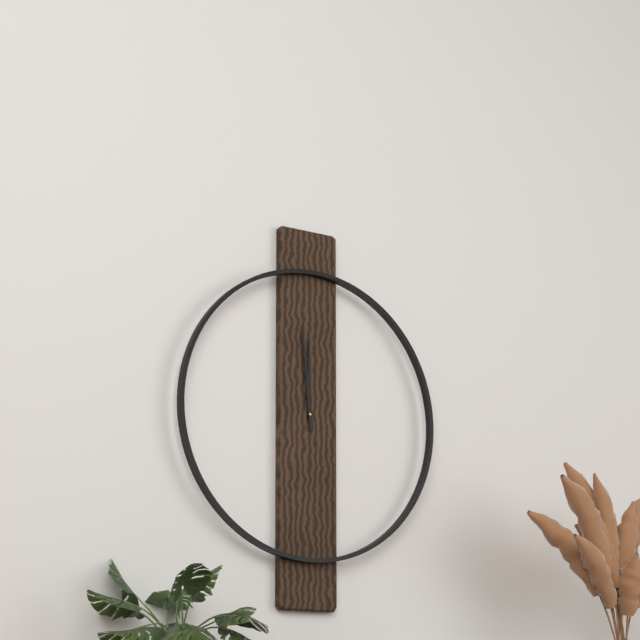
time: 11:59
